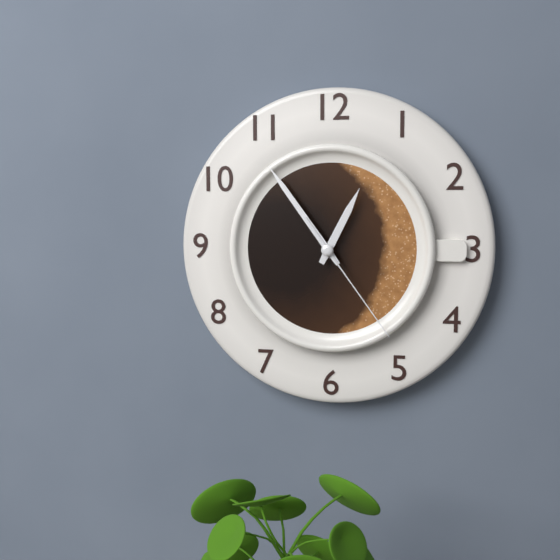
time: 12:54:24
